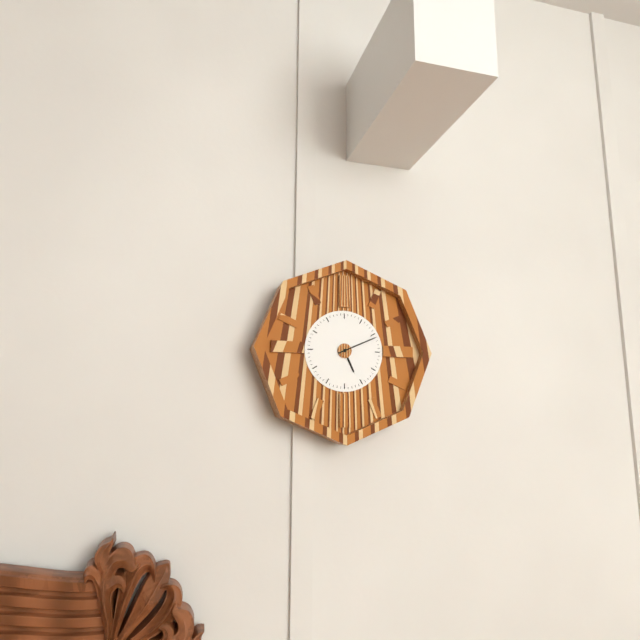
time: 5:11
